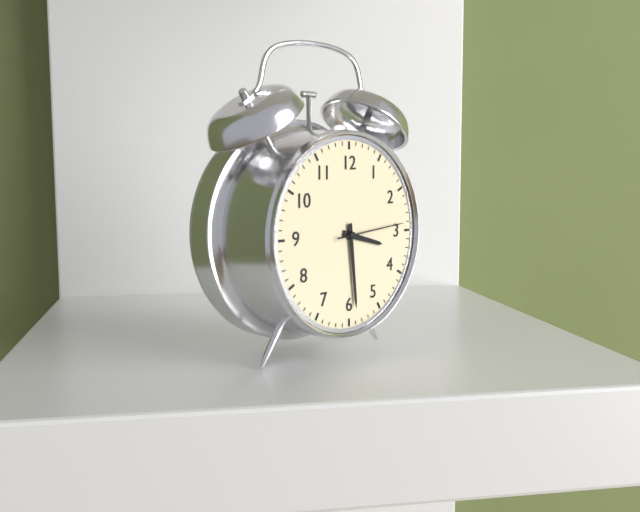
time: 3:29:14
